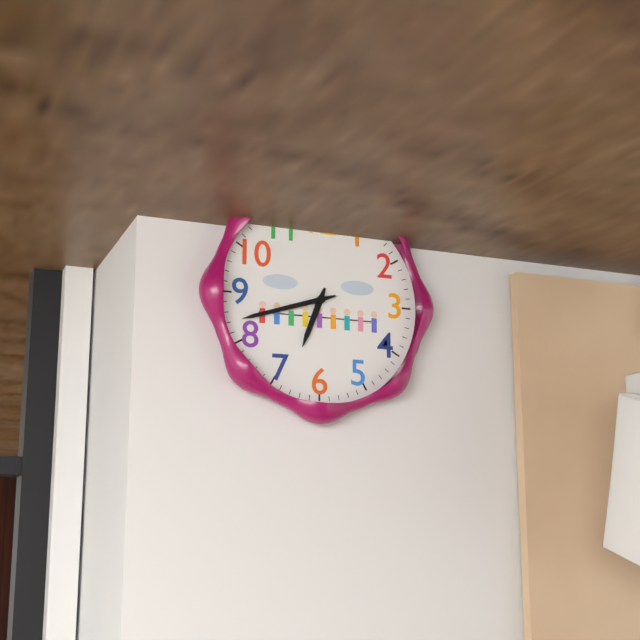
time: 6:42
